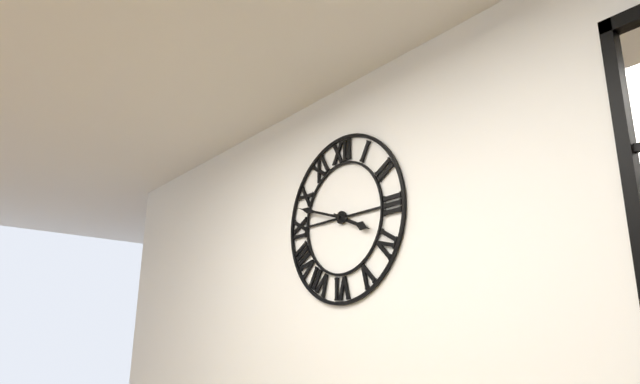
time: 3:48
